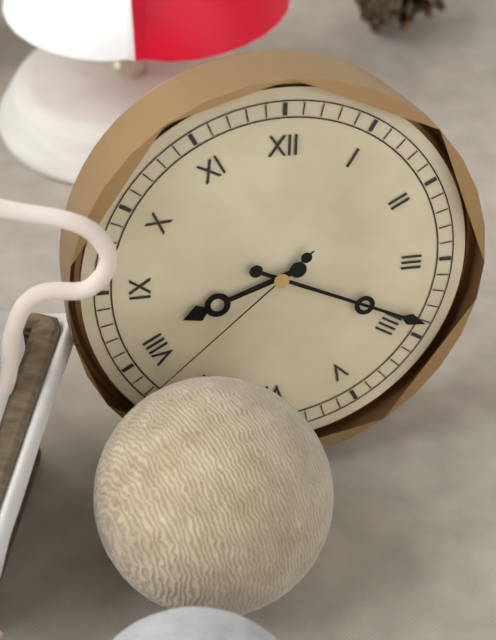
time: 8:19:38
